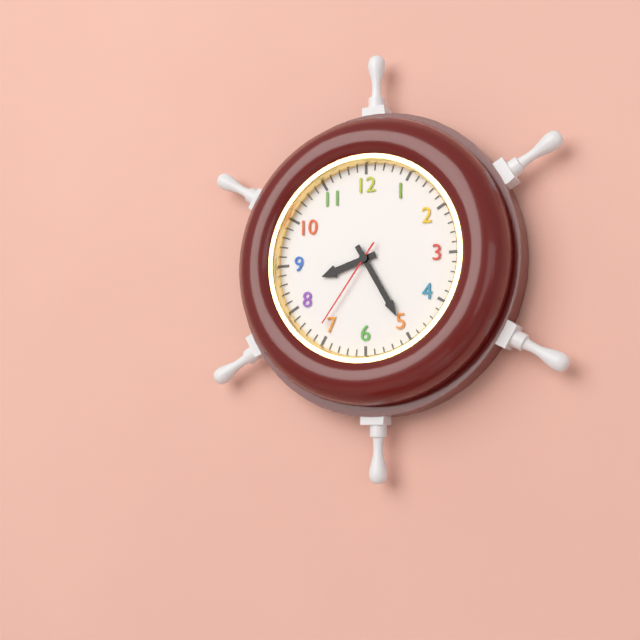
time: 8:25:36
